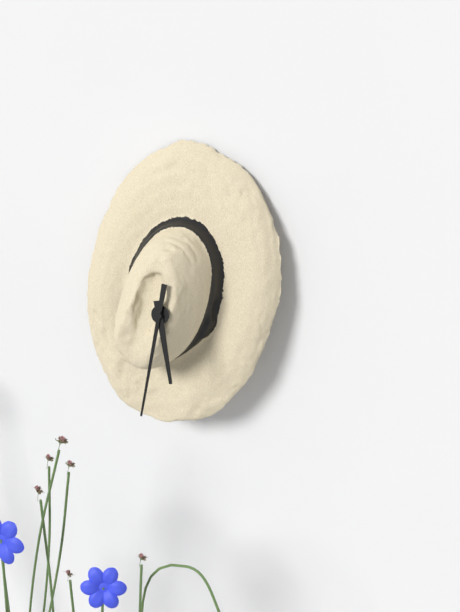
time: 5:31
